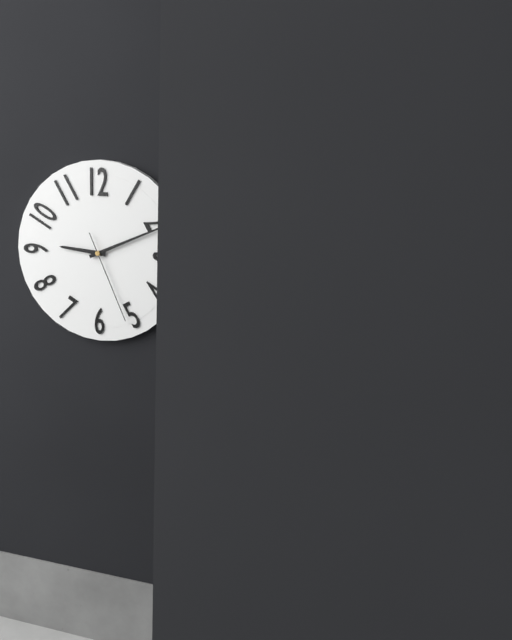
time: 9:11:26
